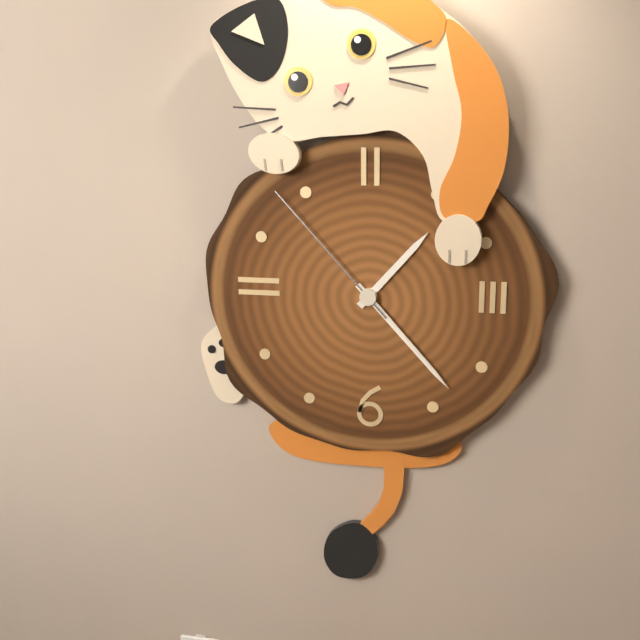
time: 1:23:53
